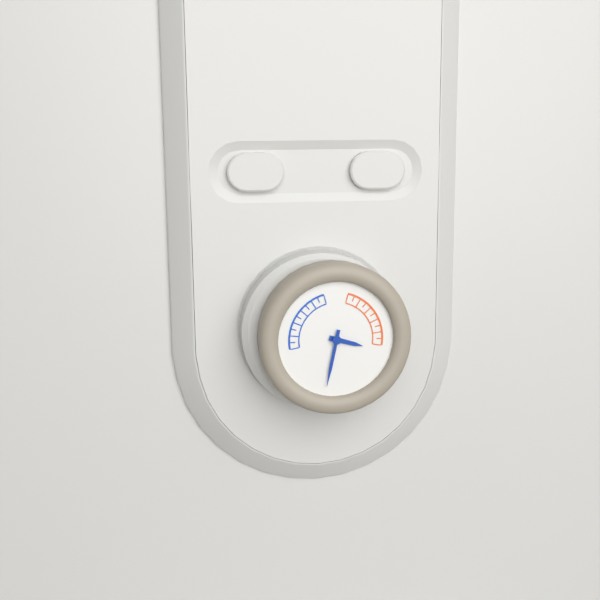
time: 3:32
